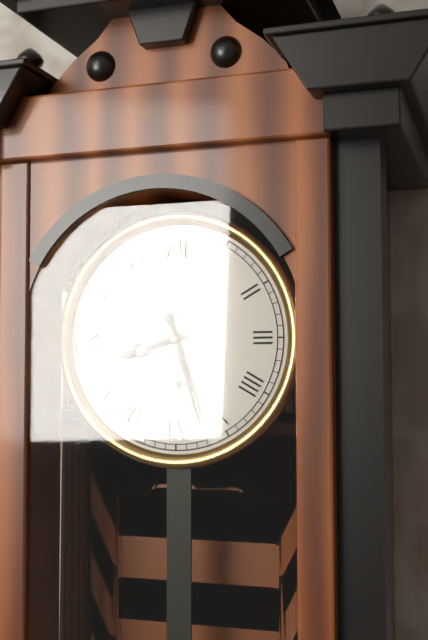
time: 8:27
